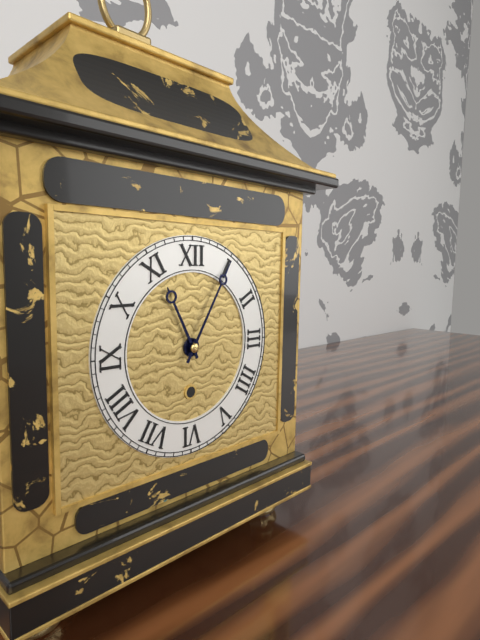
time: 11:05
